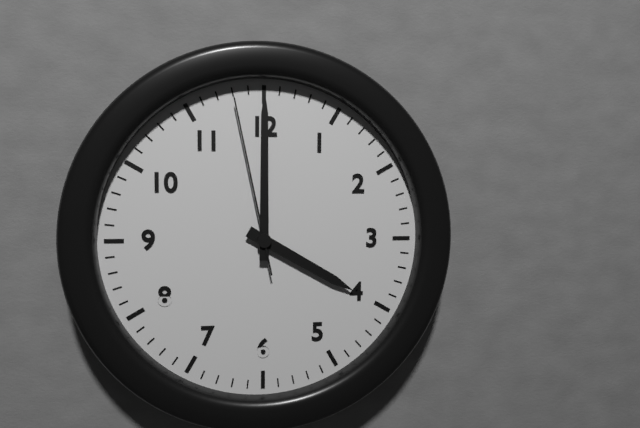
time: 4:00:58
